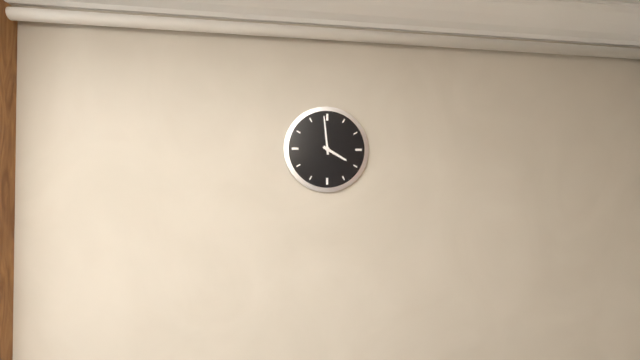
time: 3:59
